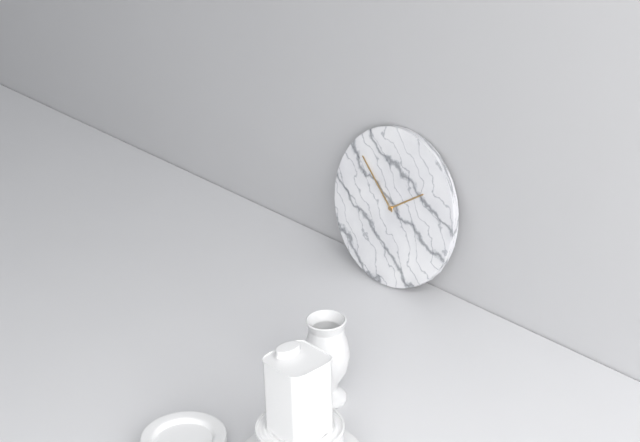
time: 1:52
